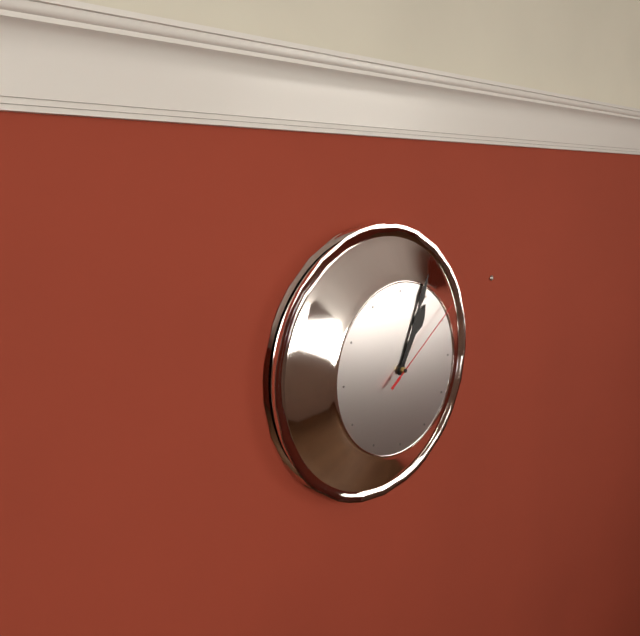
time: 1:04:09
